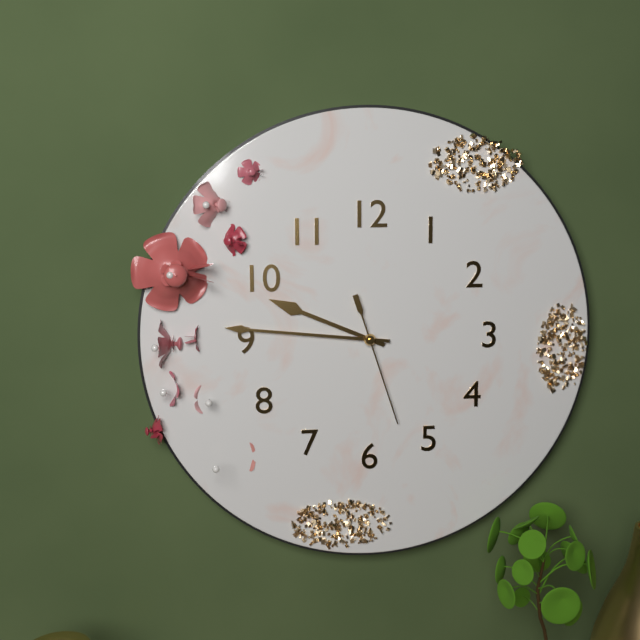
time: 9:46:27
